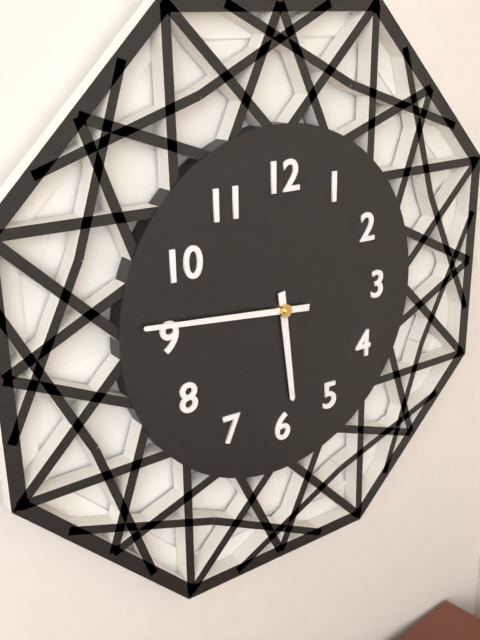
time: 5:46
